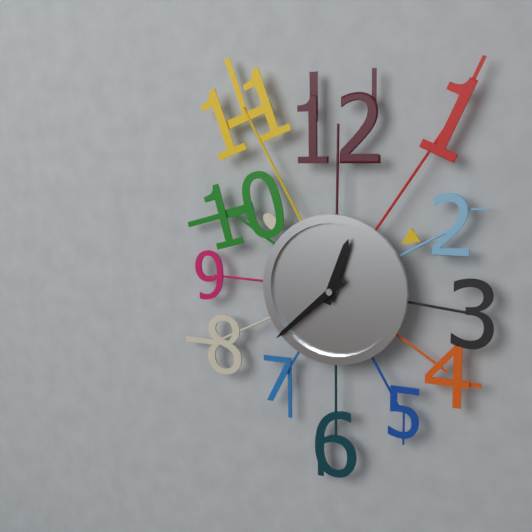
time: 12:38
